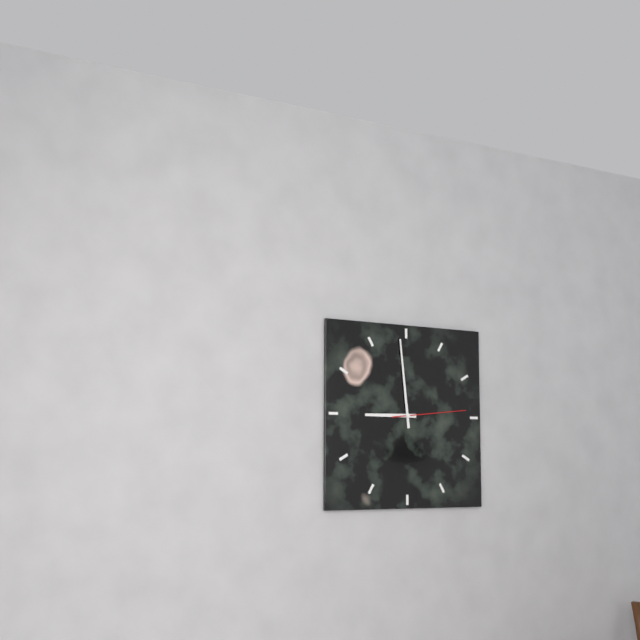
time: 8:59:14
